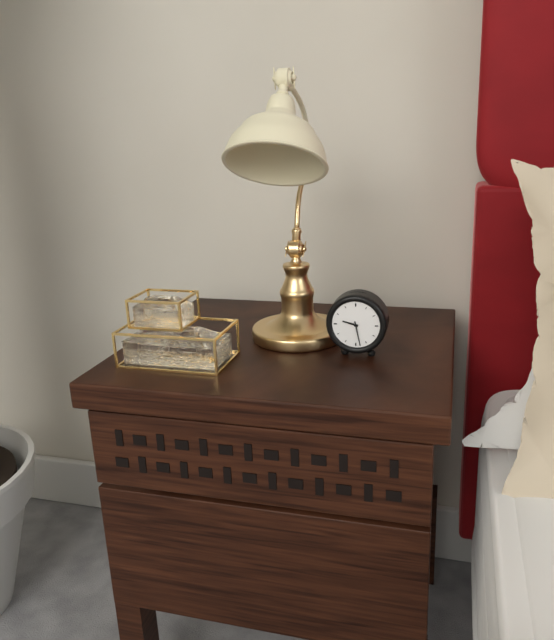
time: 9:28
